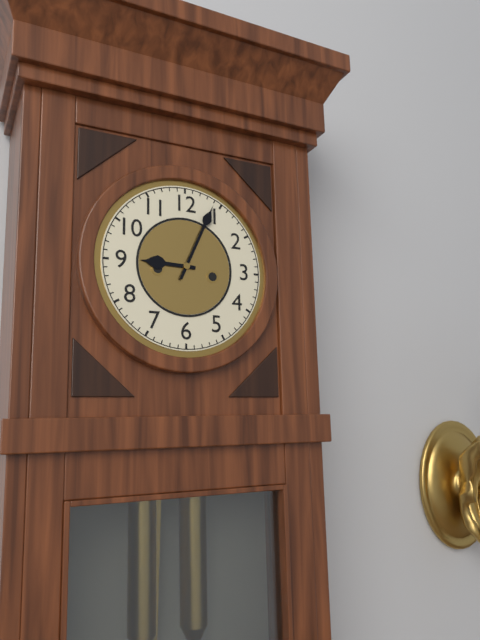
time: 9:04
